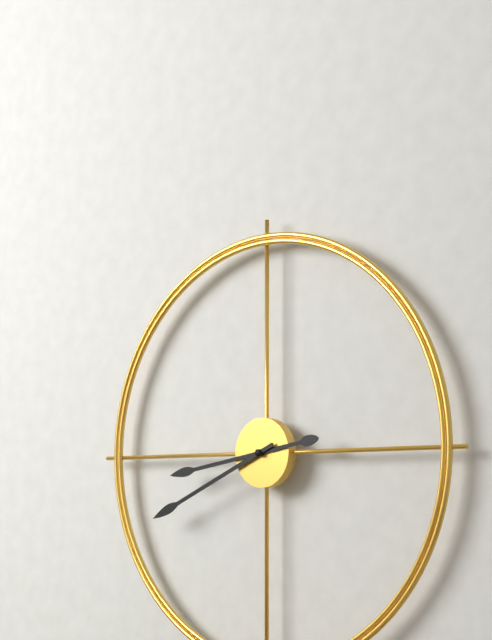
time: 8:41
